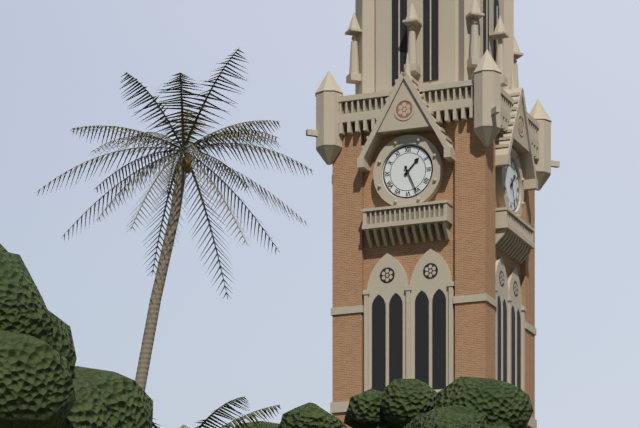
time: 1:26
